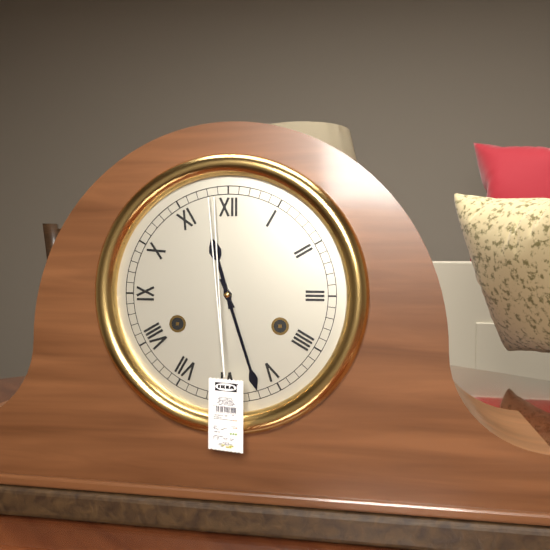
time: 11:27
